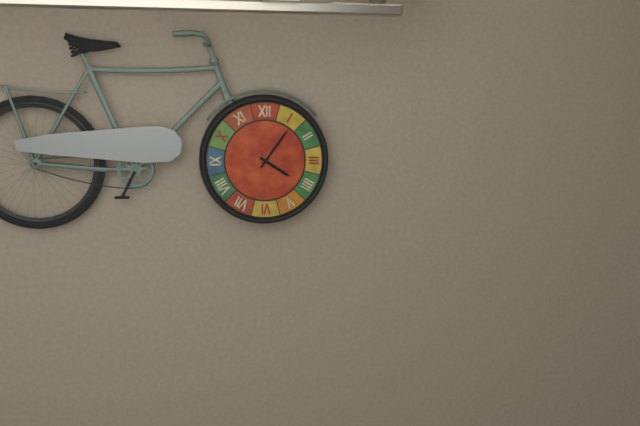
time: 4:06
